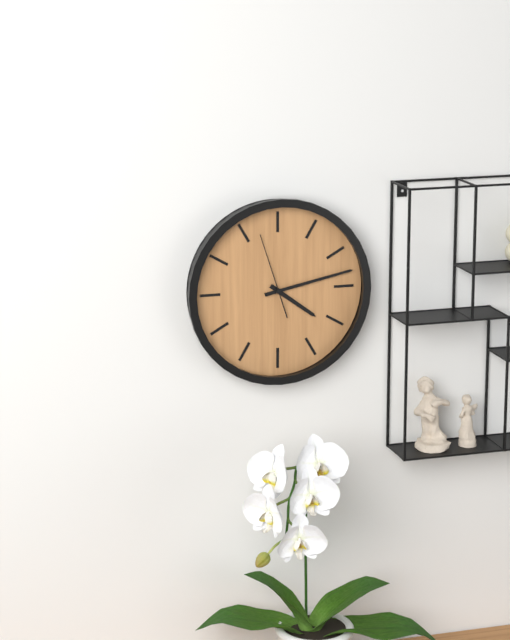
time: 4:13:57
